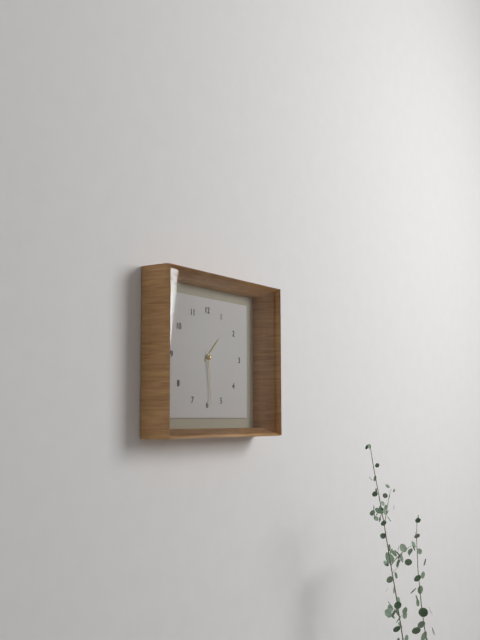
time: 1:29
